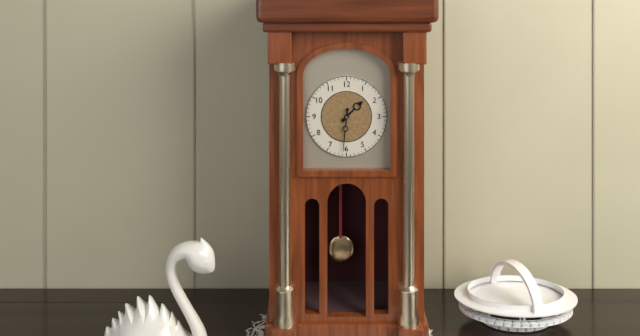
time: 1:31
